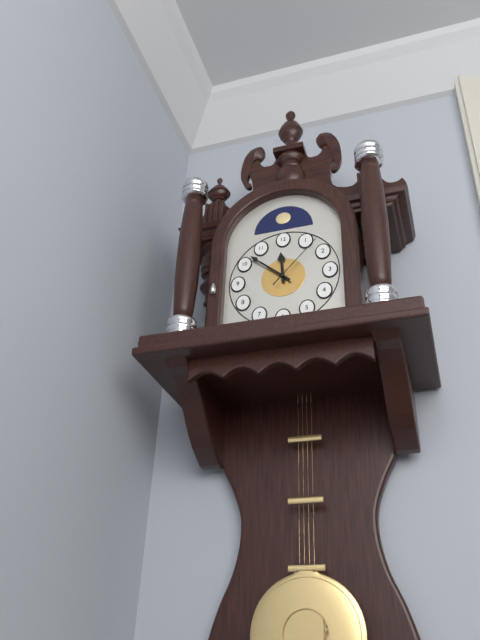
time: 11:52:07
